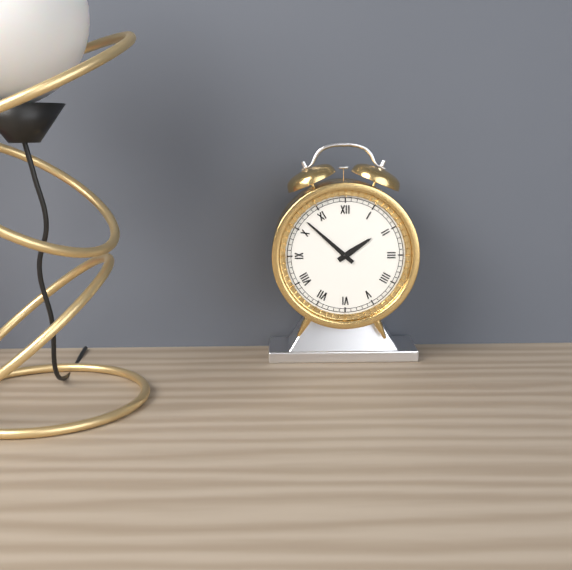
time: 1:52
